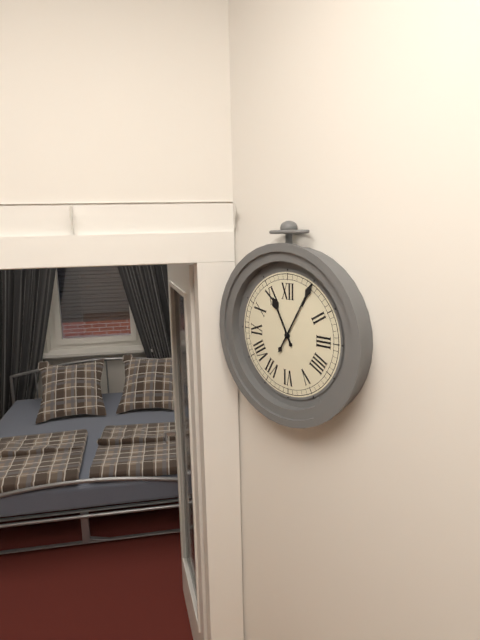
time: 11:05
